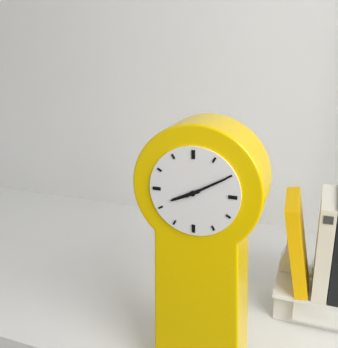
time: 8:10
